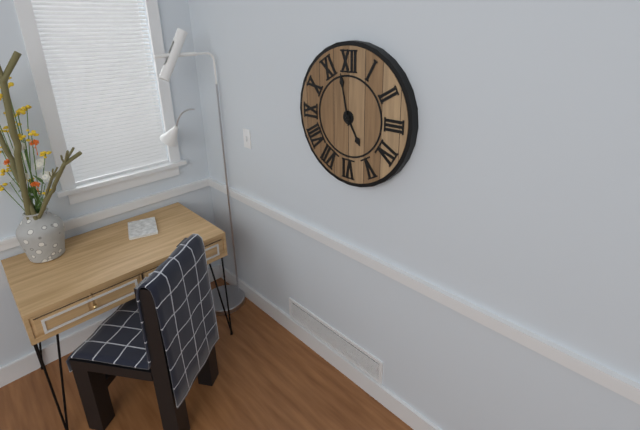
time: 4:58
